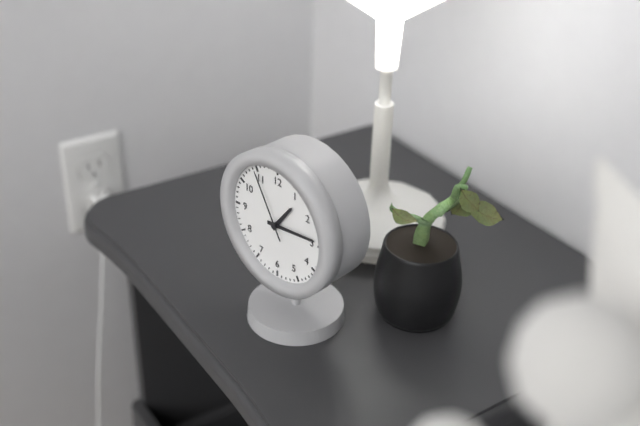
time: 1:14:55
